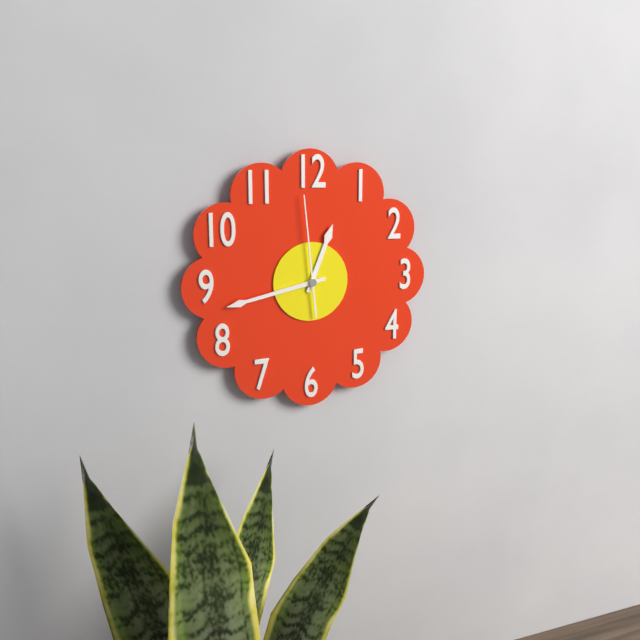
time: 12:43:59
